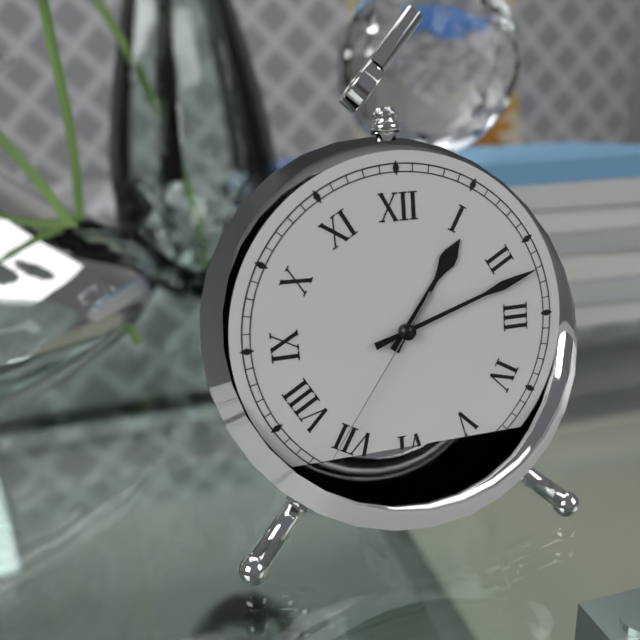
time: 1:12:36
